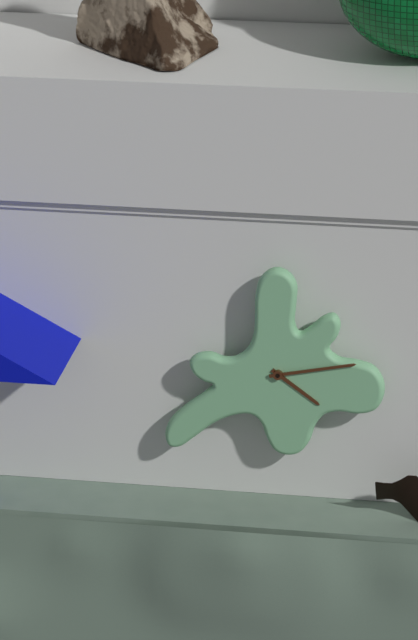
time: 4:13
